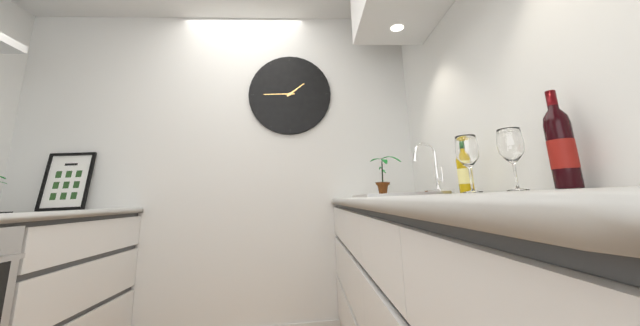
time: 1:45
